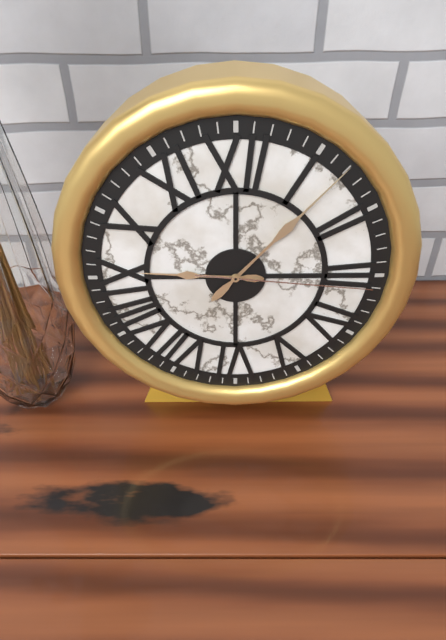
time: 9:07:16
